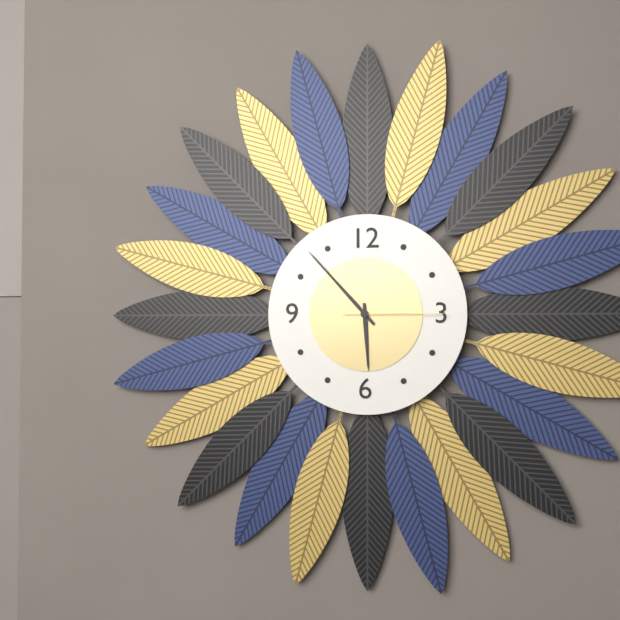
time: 5:53:15
